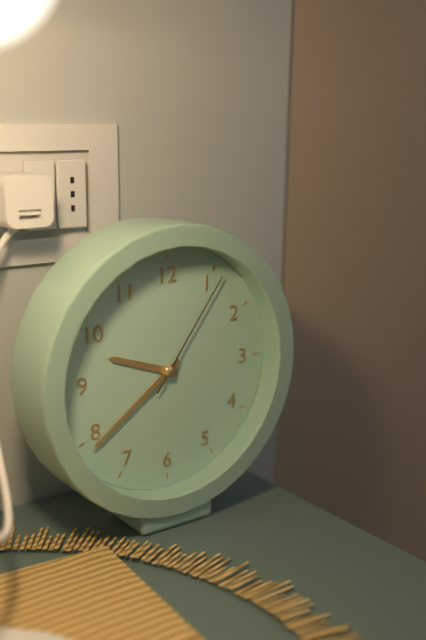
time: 9:39:06
